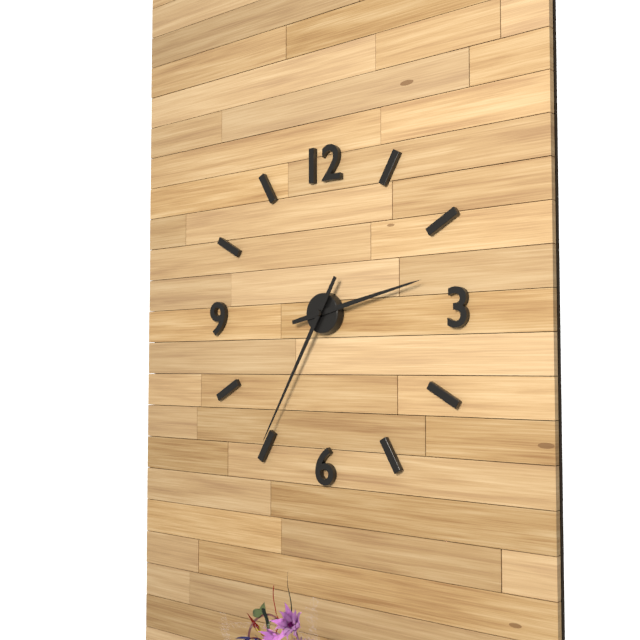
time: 2:35
